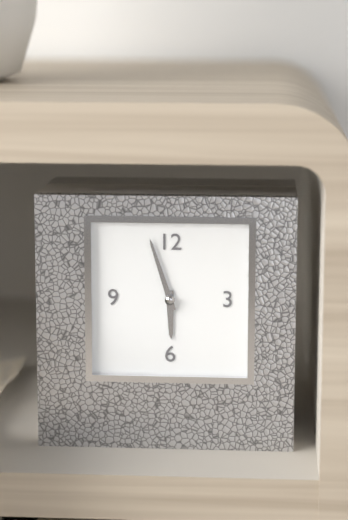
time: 5:57
